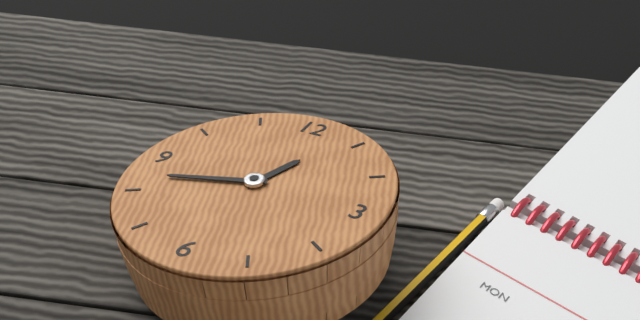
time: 12:42
